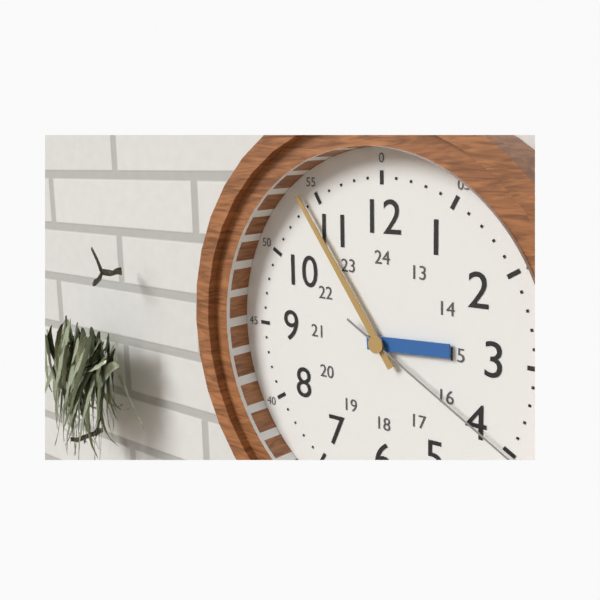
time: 2:54:20
